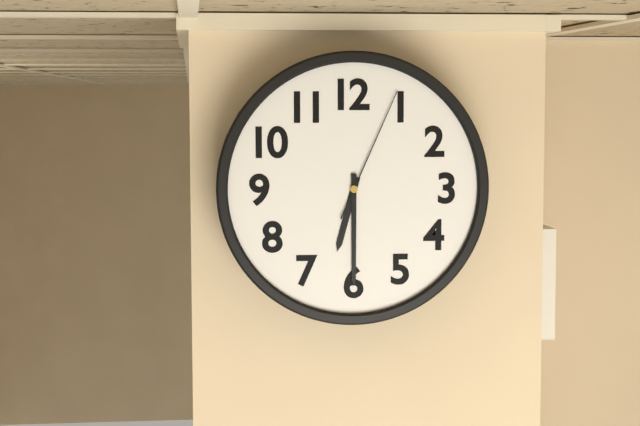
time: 6:30:04
